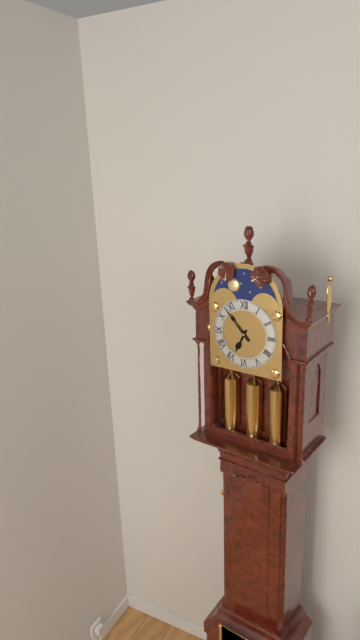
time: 6:53
